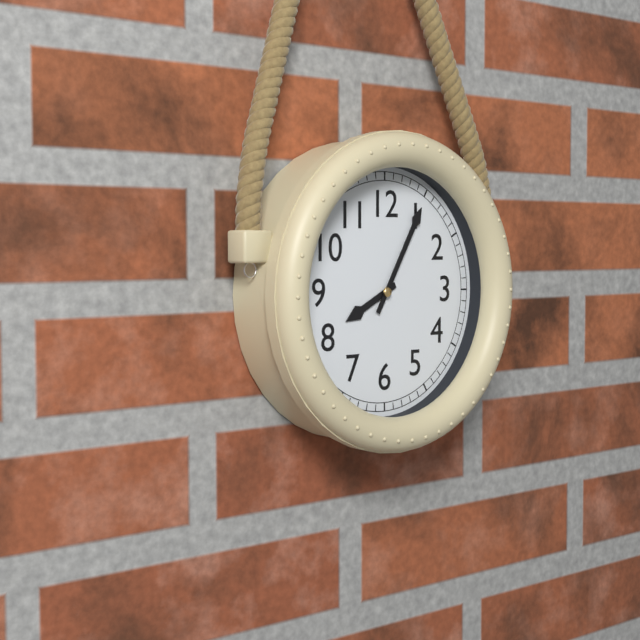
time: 8:05
